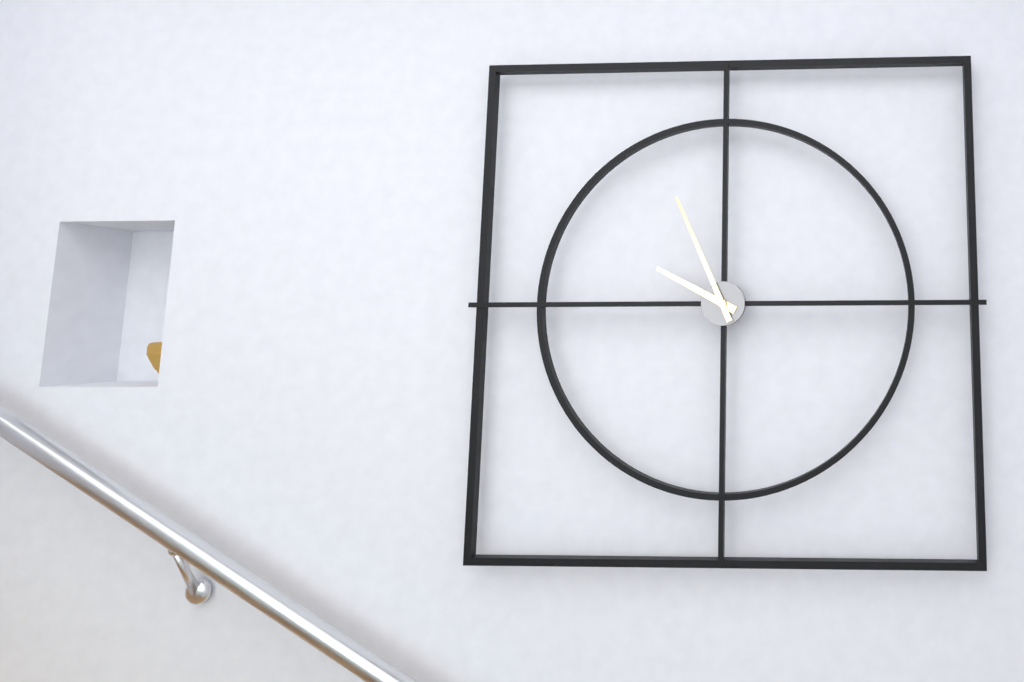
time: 9:56
